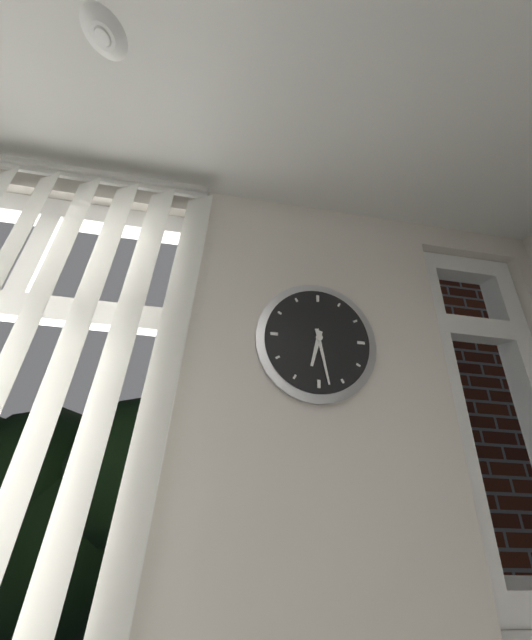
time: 6:28
